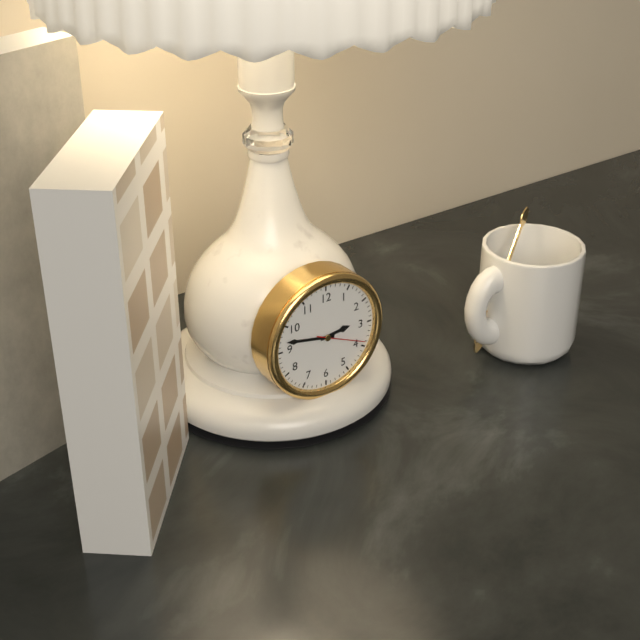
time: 2:47
